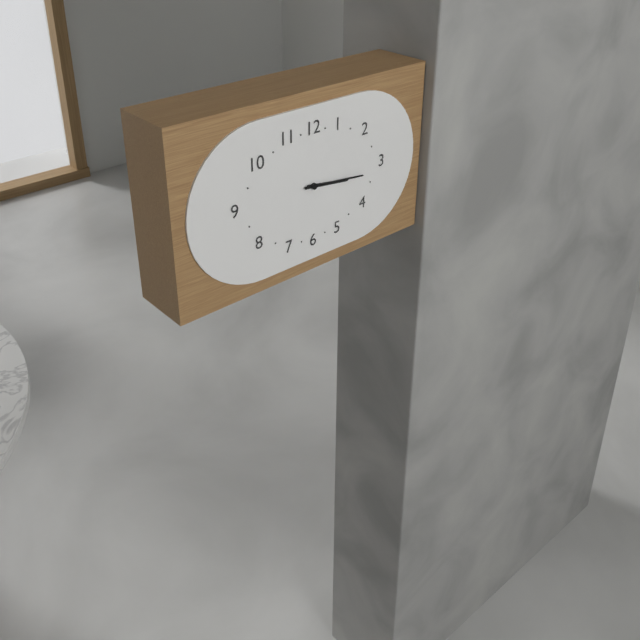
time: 3:16
